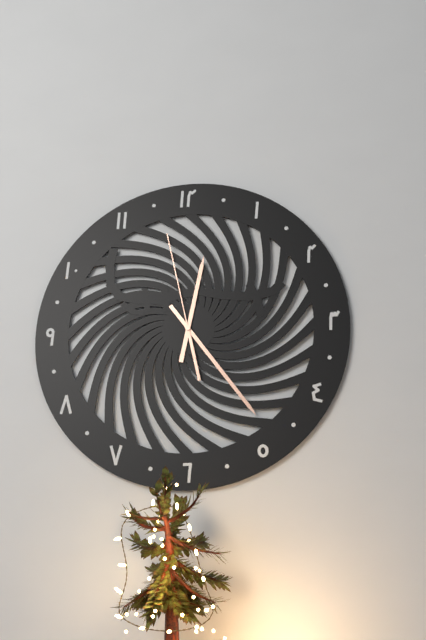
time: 12:24:58
